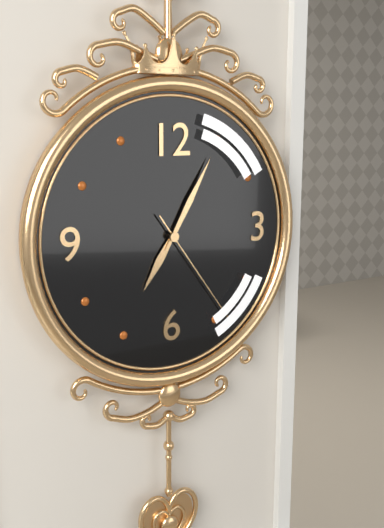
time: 7:05:24
